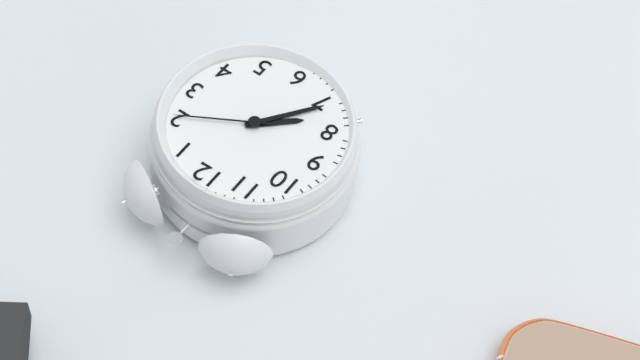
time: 7:36:10
